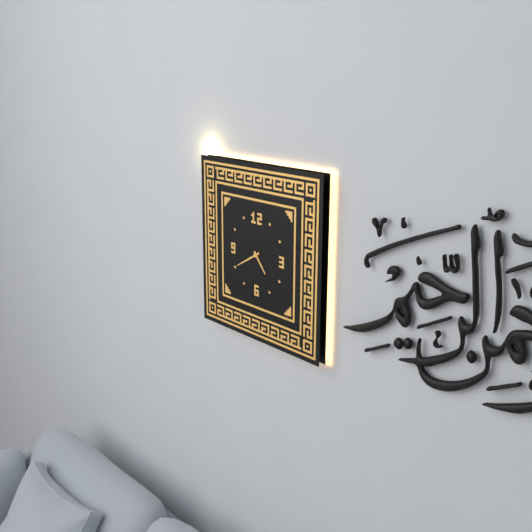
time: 4:40
